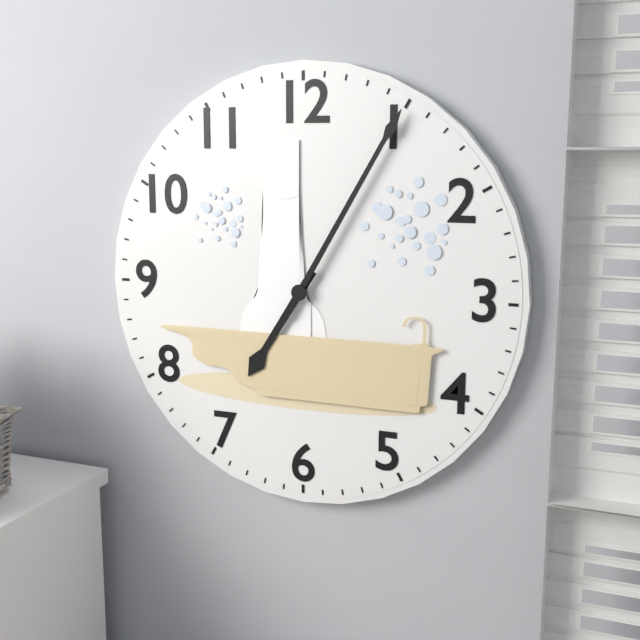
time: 7:05
